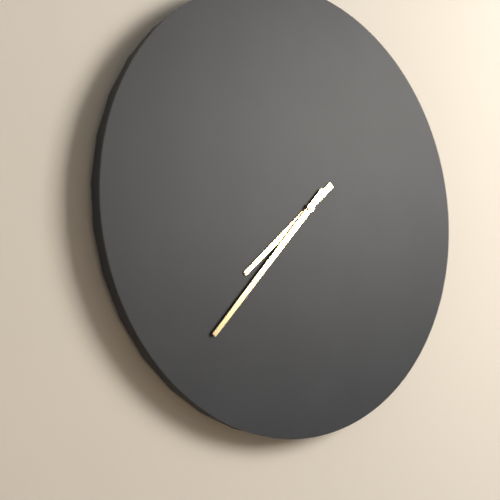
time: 7:37
